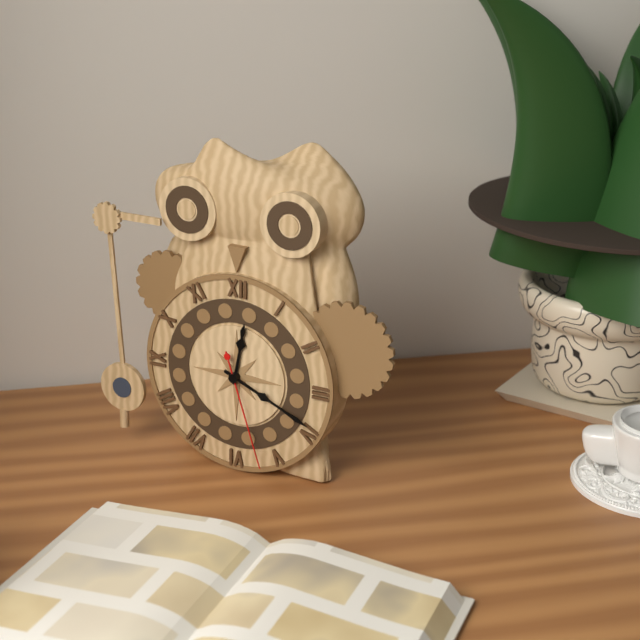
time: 12:19:27
